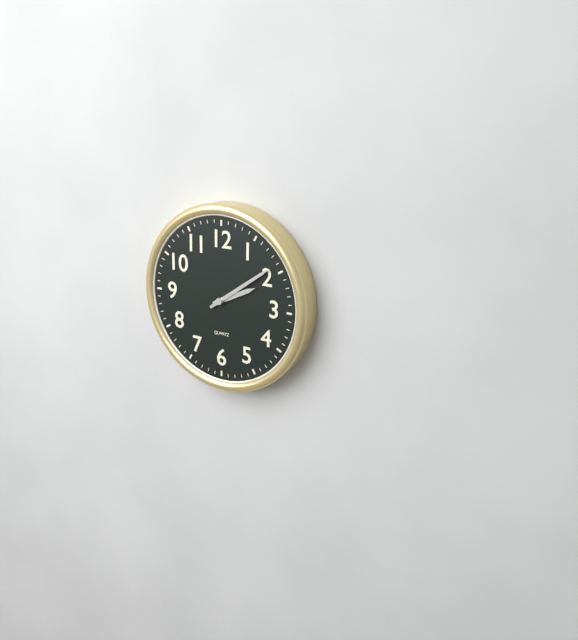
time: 2:09
